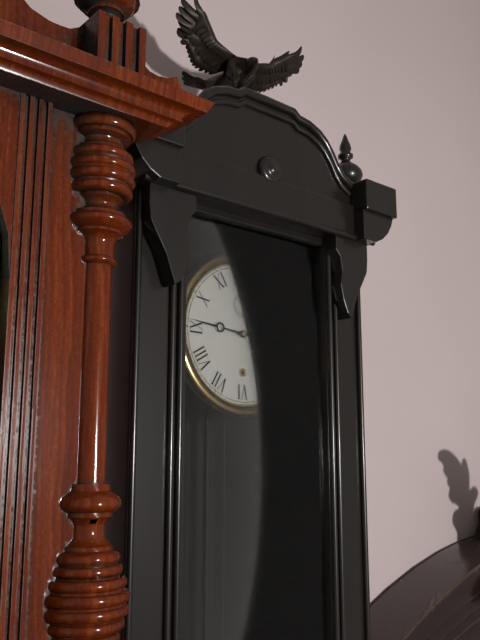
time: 2:46
